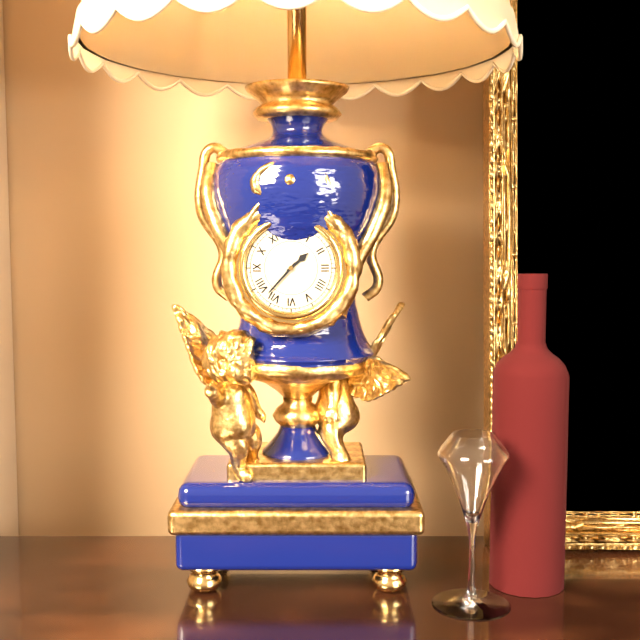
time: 1:37
